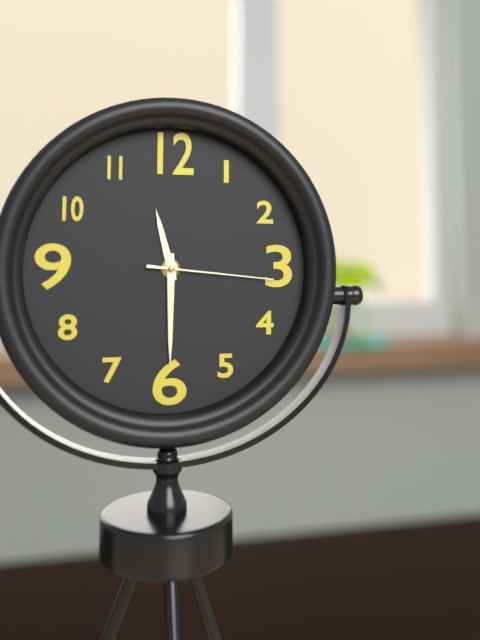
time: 11:30:16
